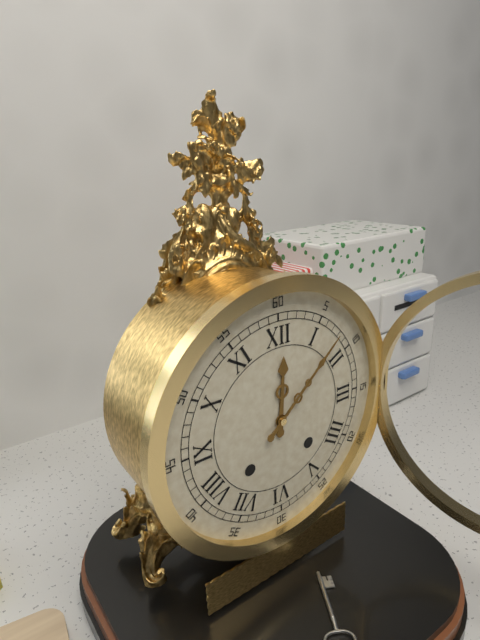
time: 12:08
